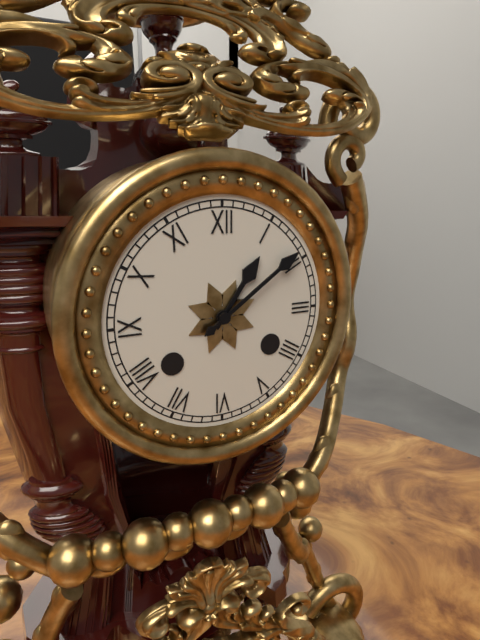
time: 1:09
